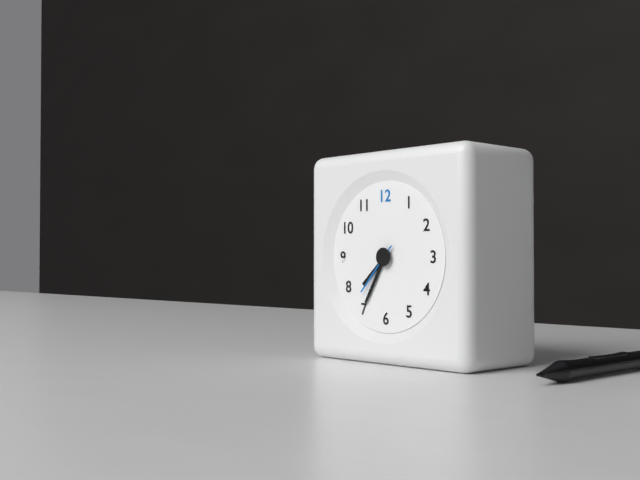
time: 7:35:37
